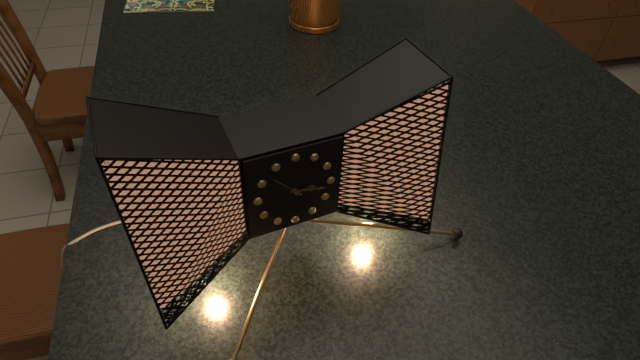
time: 3:17
